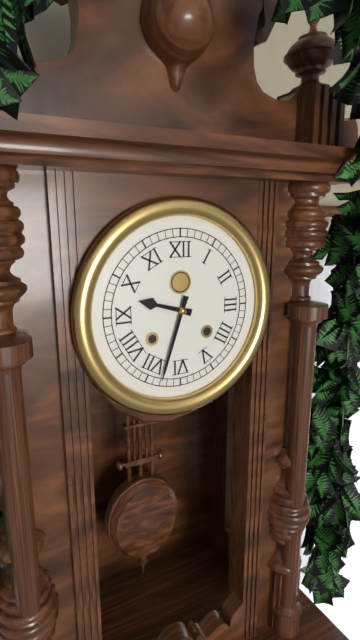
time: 9:33
